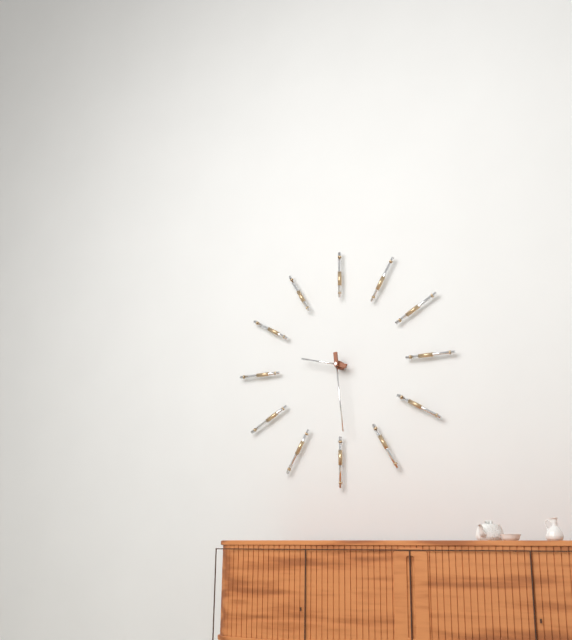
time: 9:29
